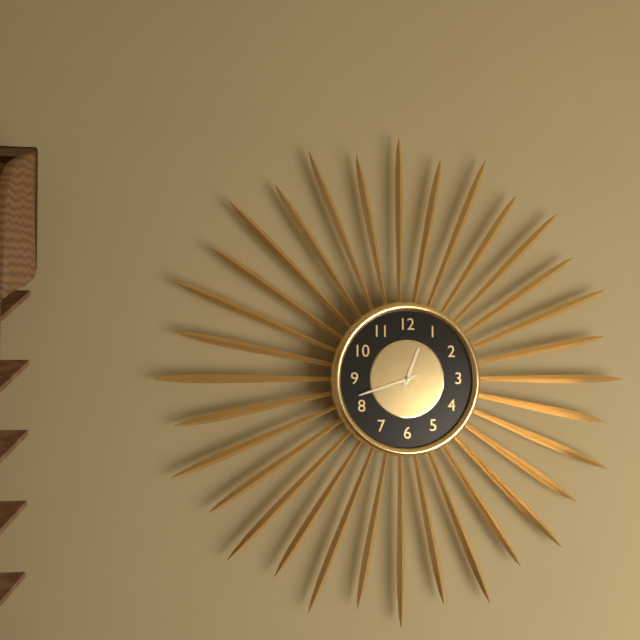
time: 12:42
